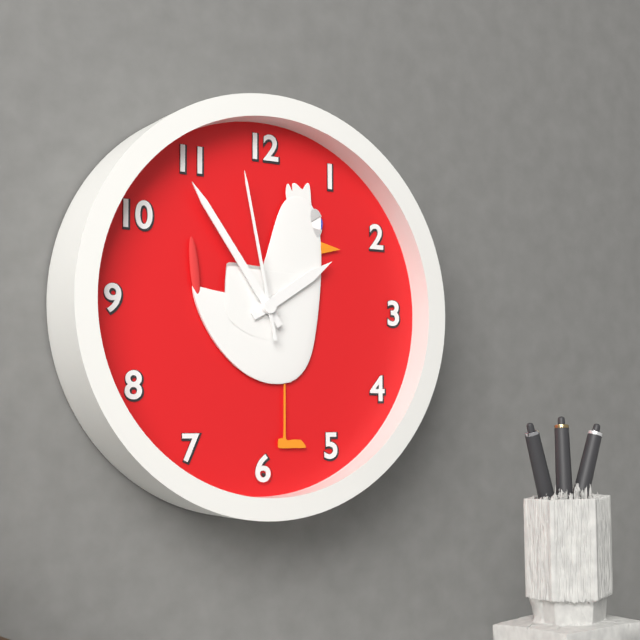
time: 1:54:58
